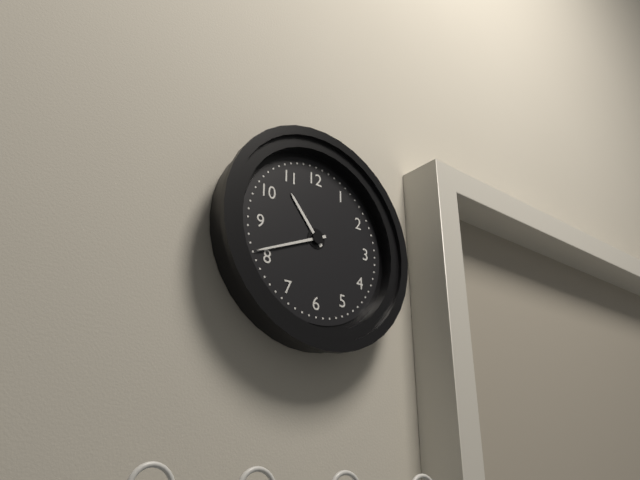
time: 10:41
